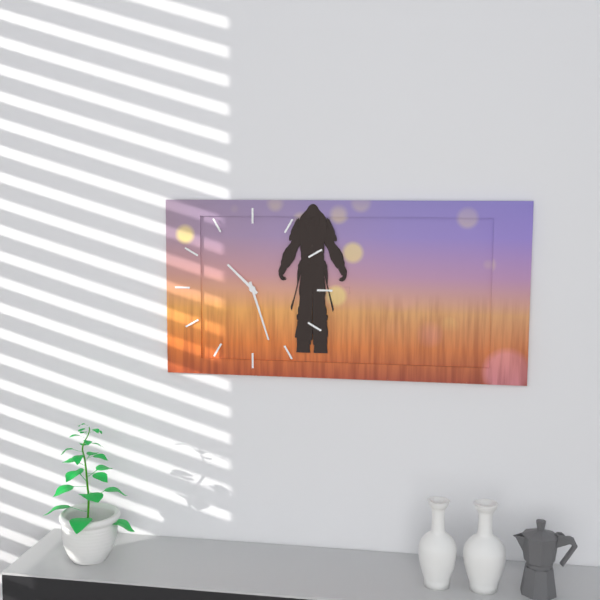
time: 10:27
